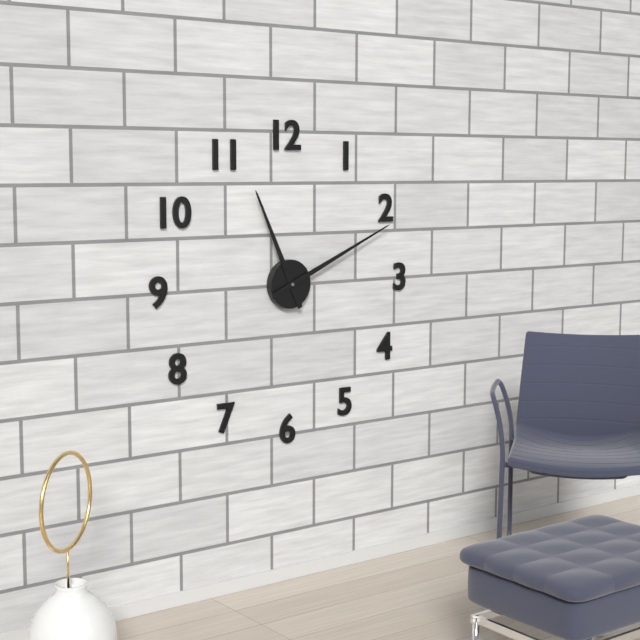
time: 11:11
